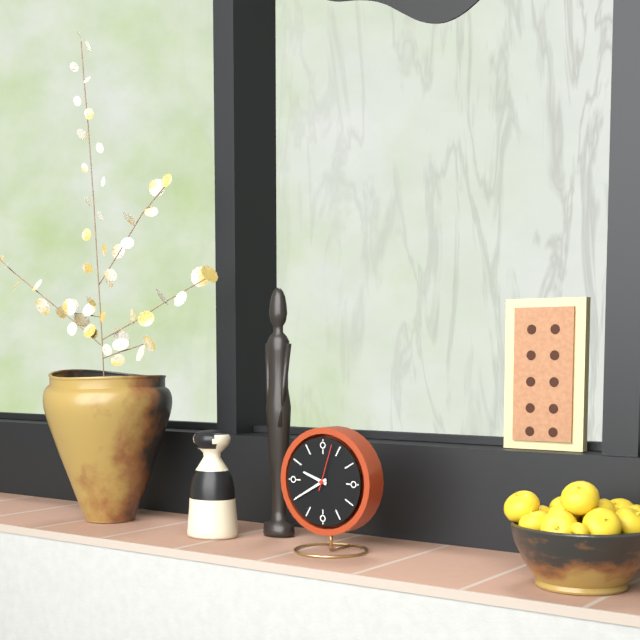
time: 9:40
